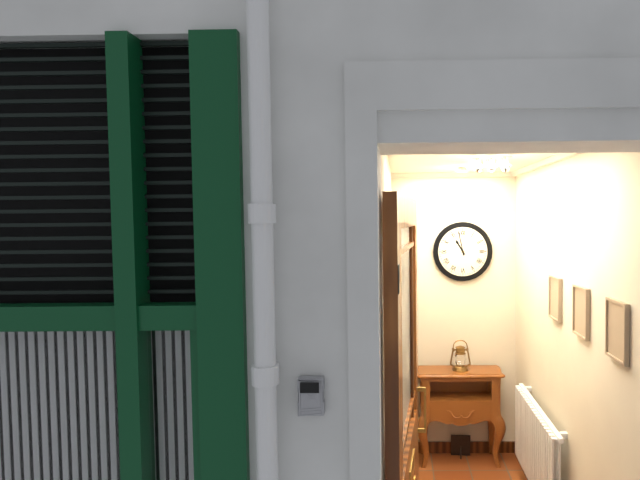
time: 10:58
